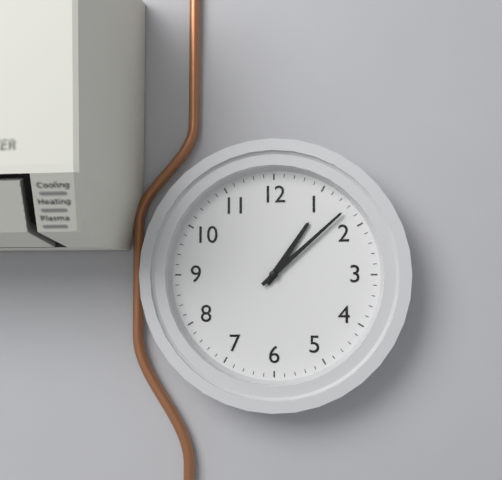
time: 1:08
